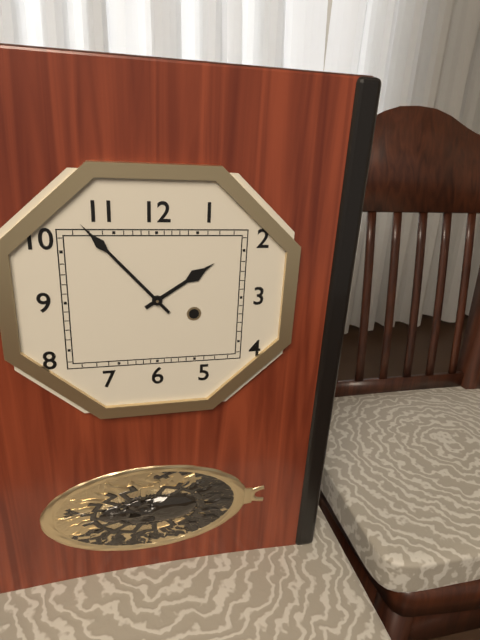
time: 1:53
